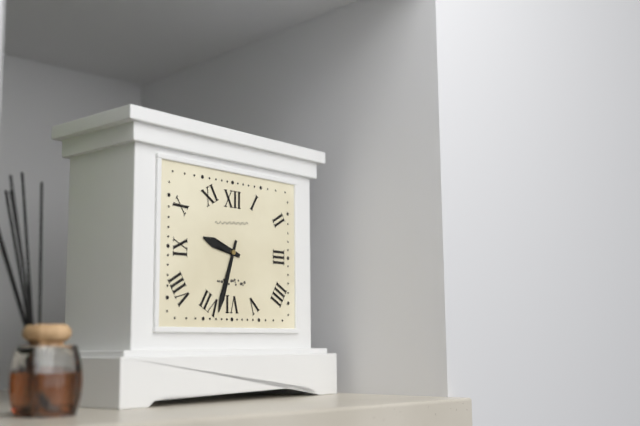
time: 9:33
